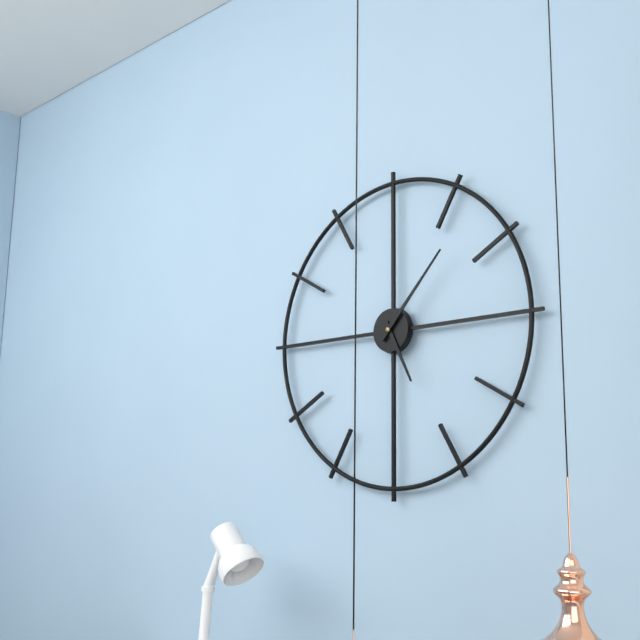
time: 5:07
